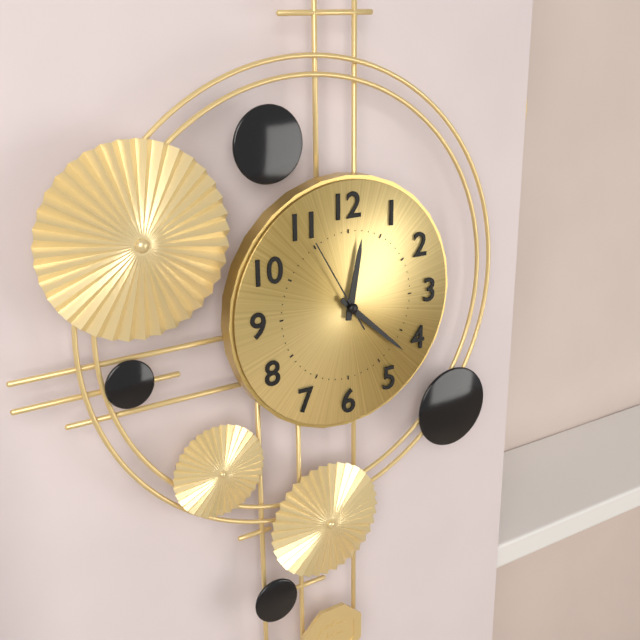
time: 12:22:55
